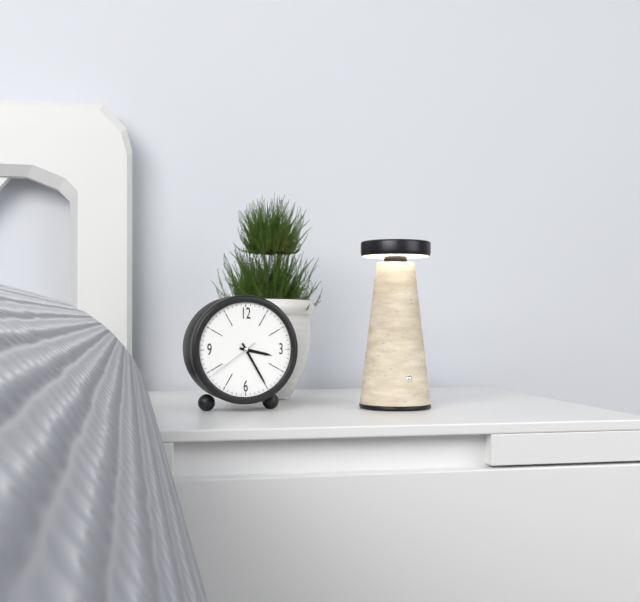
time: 3:25:39
